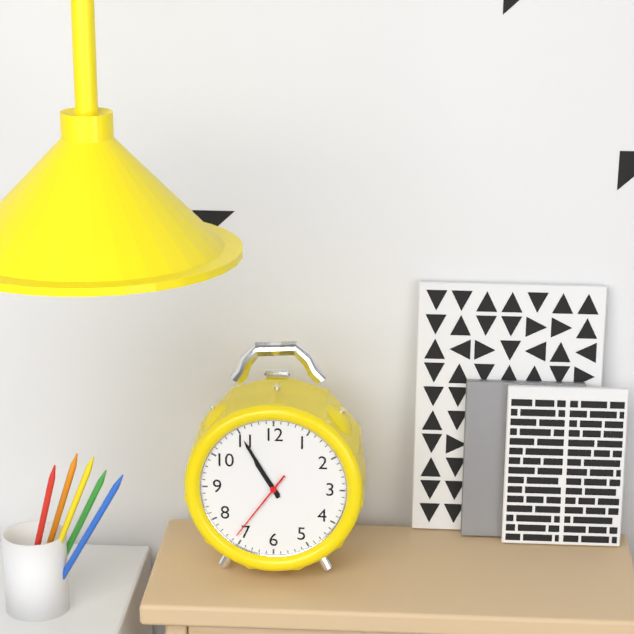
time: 10:55:36
